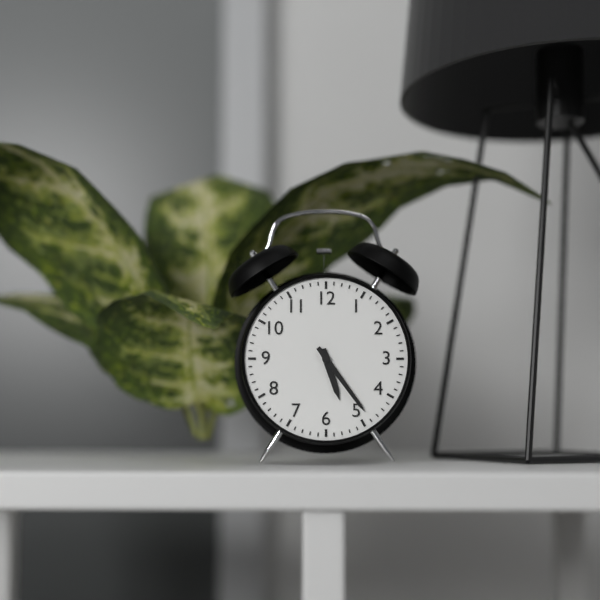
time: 5:24
